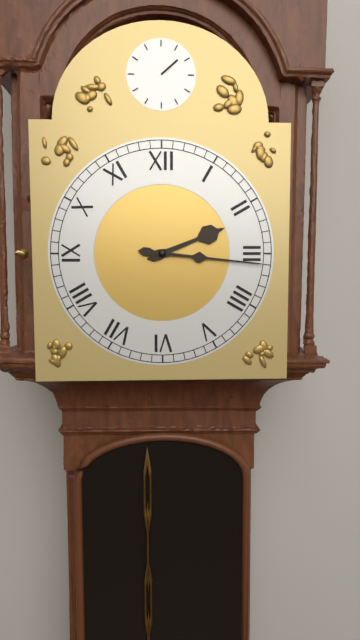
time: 2:16
